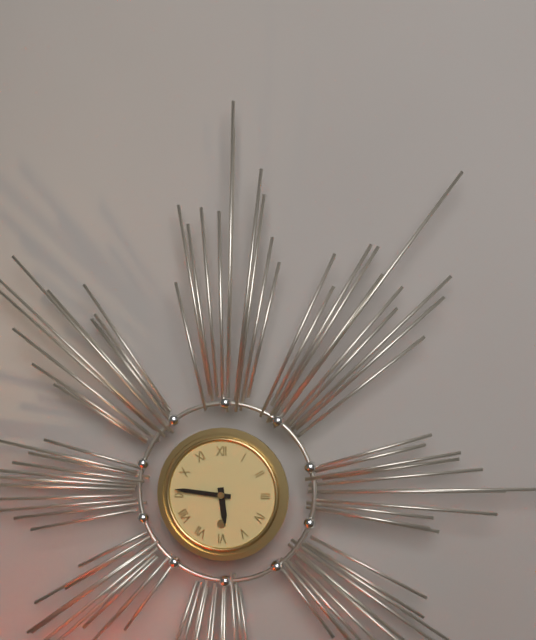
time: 5:46
